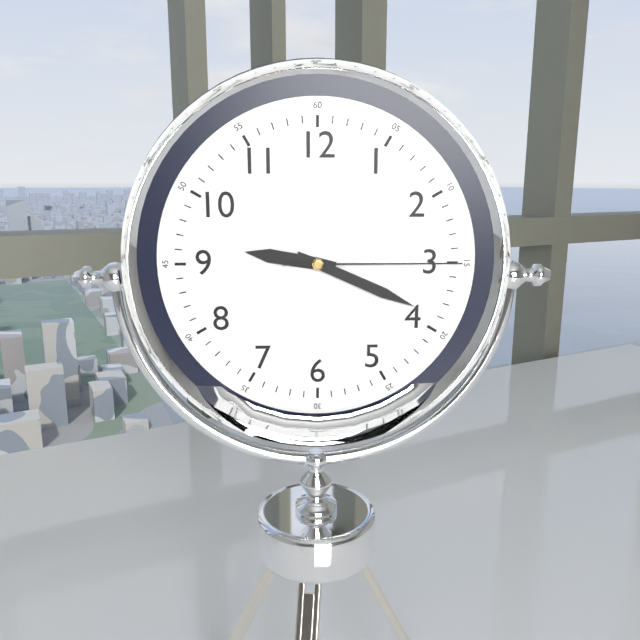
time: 9:19:15
